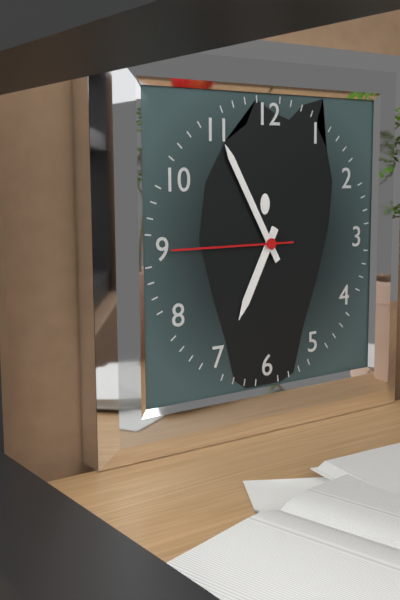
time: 6:55:45
